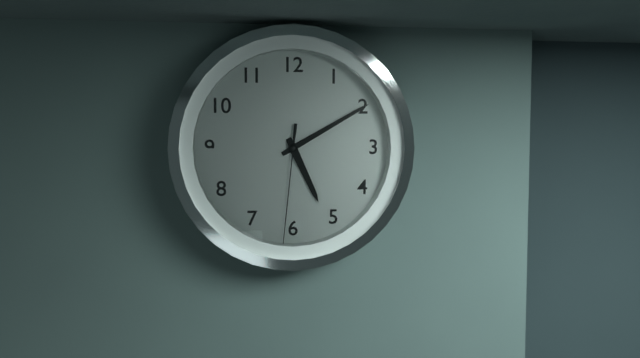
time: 5:10:31
